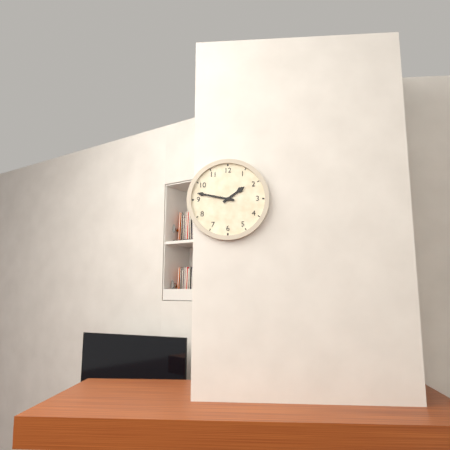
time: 1:47
